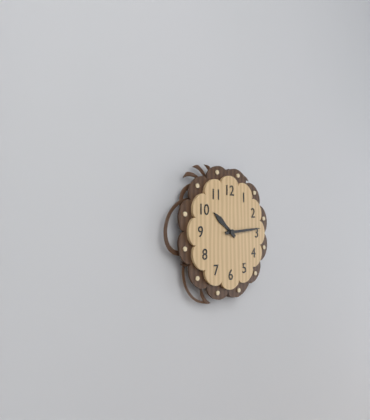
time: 10:14
